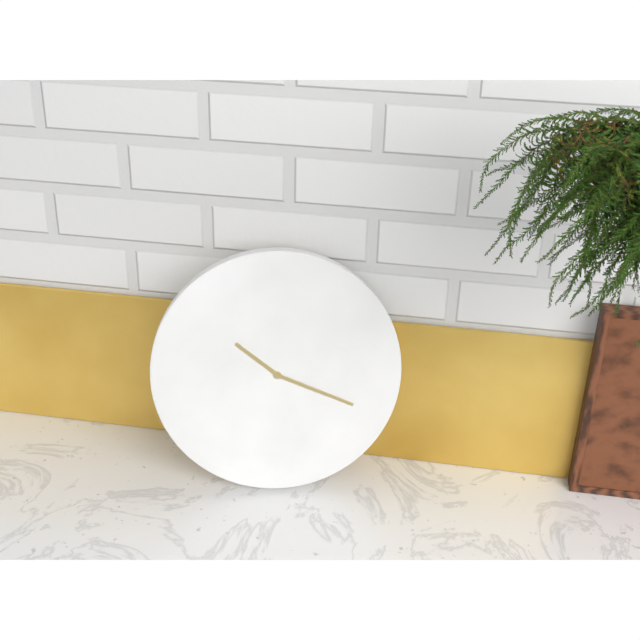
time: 10:19
